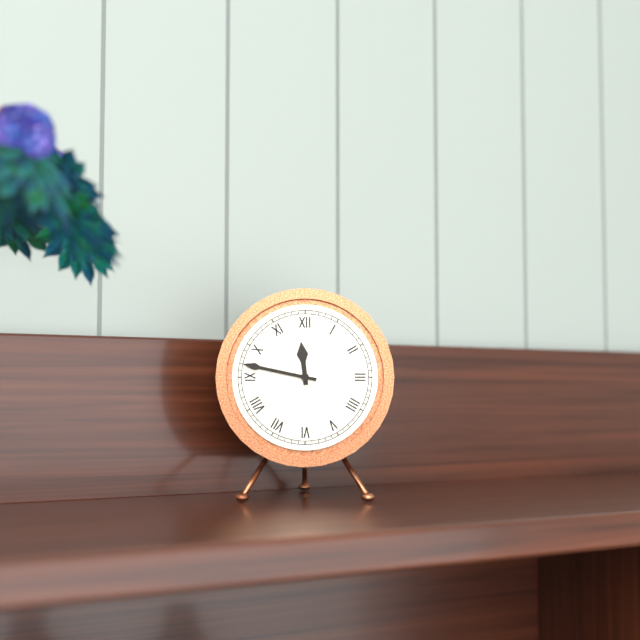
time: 11:47
